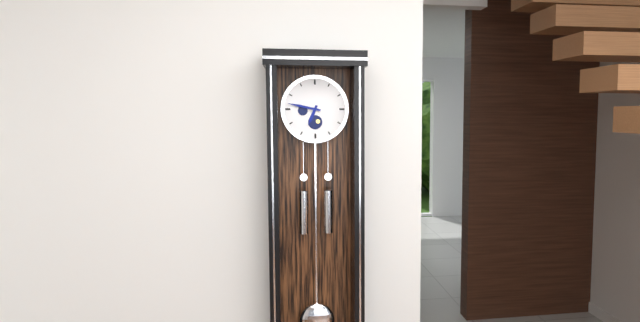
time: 6:47
